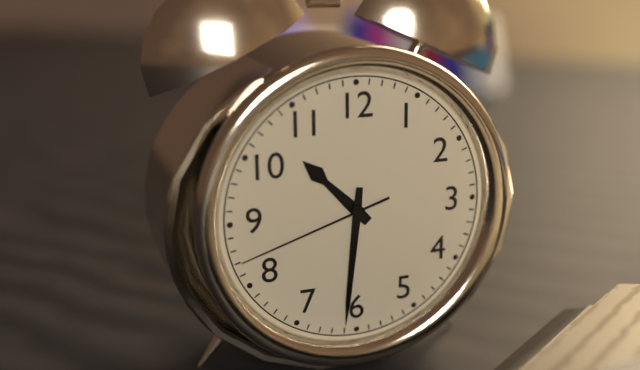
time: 10:31:42
